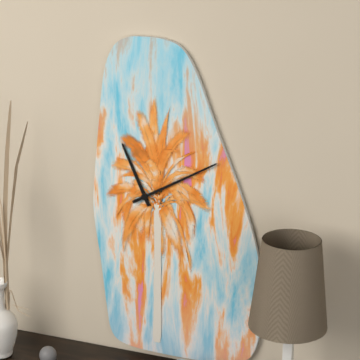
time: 11:10
